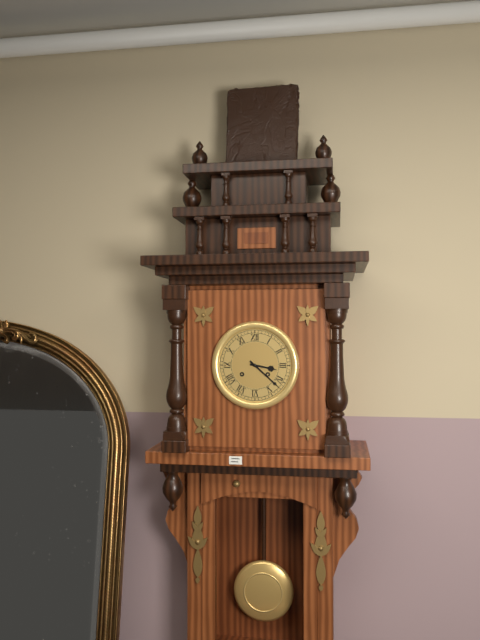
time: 3:22
